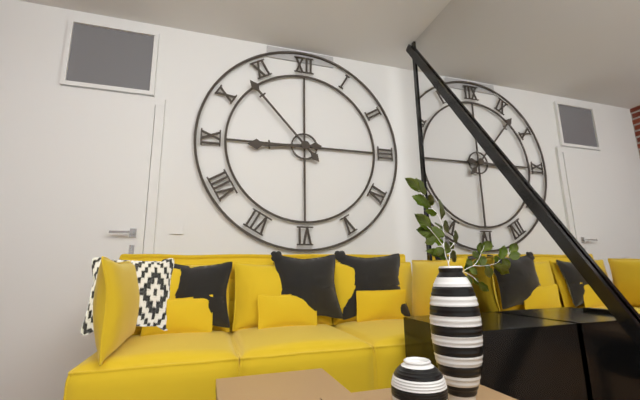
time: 8:53
